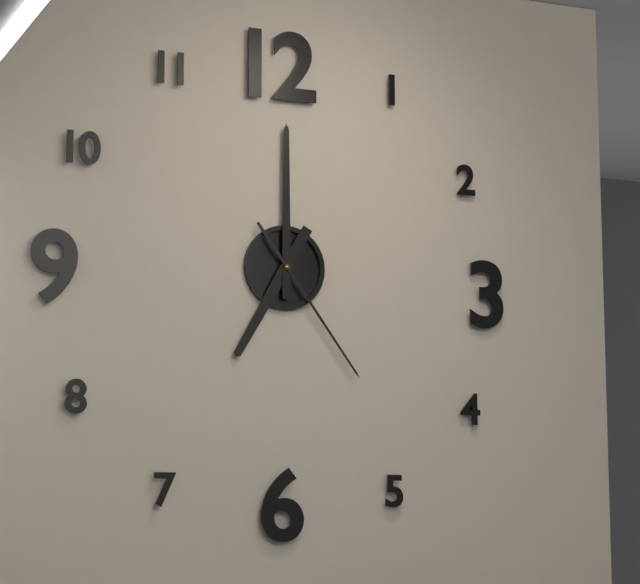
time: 7:00:24
